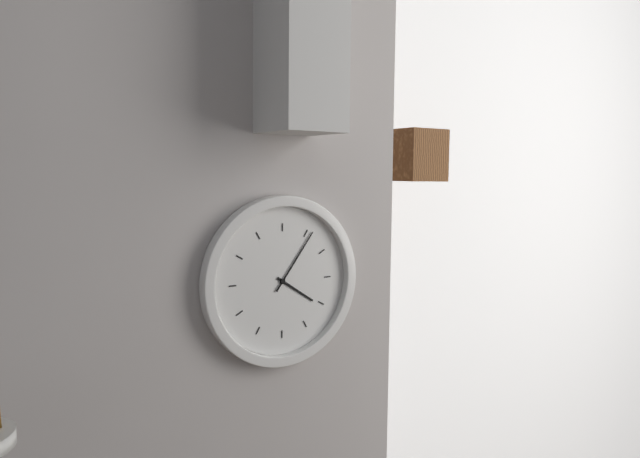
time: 4:06
